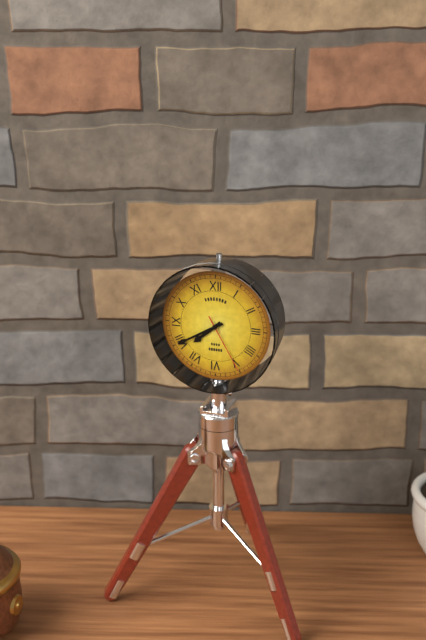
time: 7:40:25
